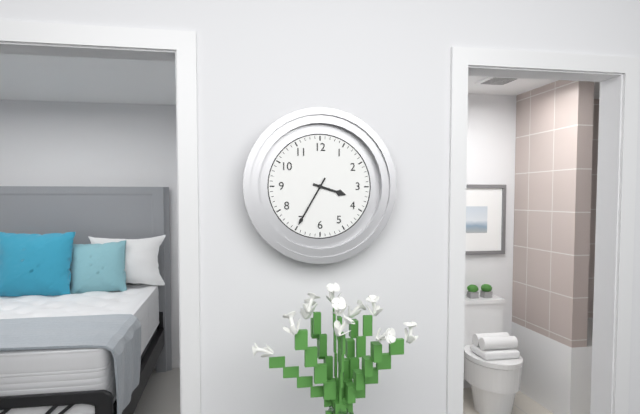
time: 3:35
